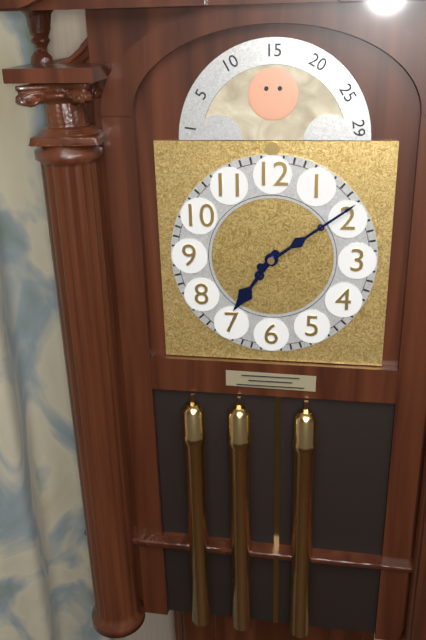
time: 7:09
